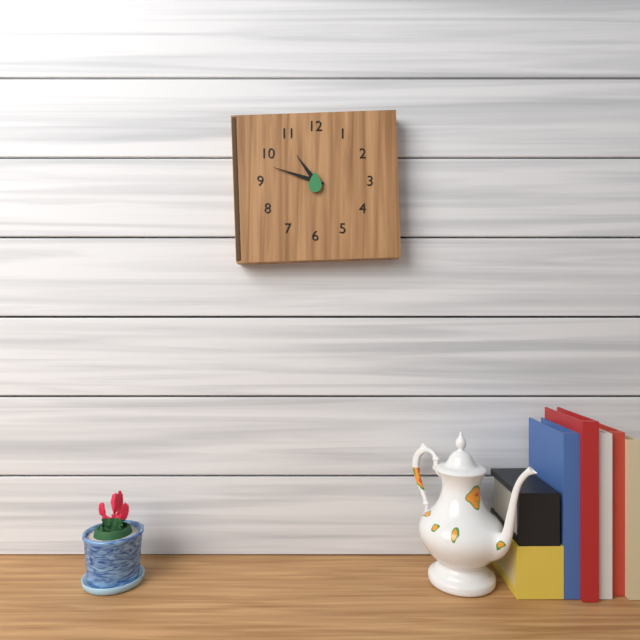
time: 10:48
